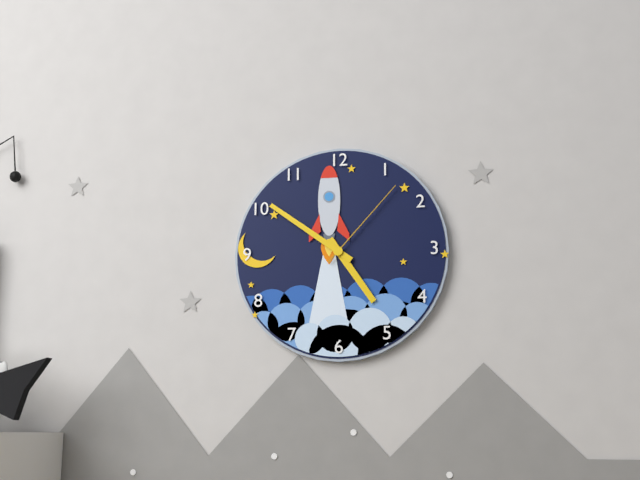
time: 4:51:07
